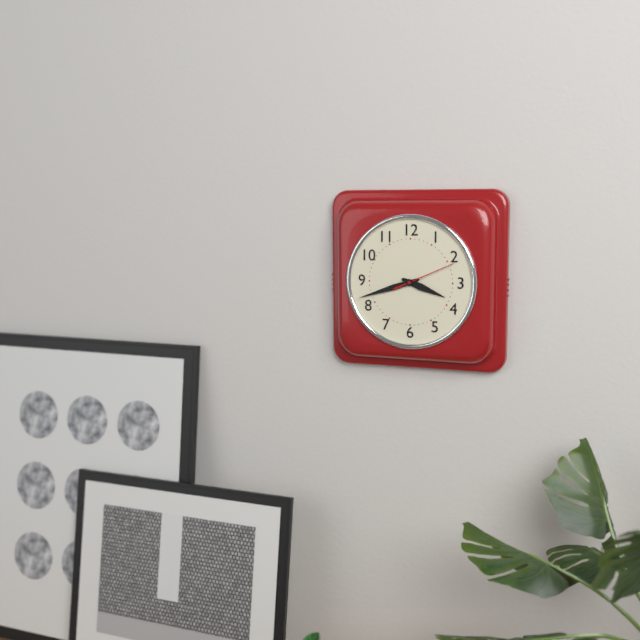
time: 3:42:11
